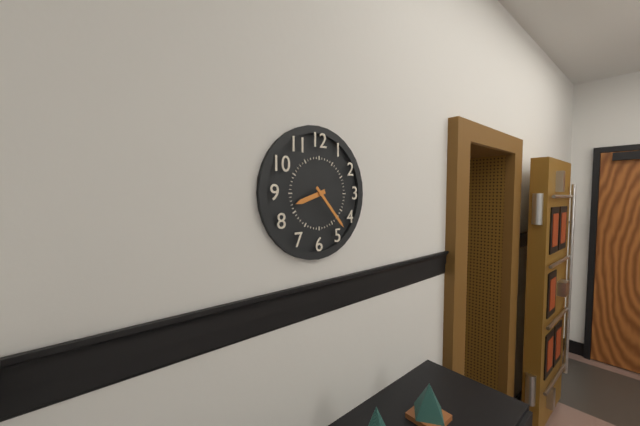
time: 8:23
